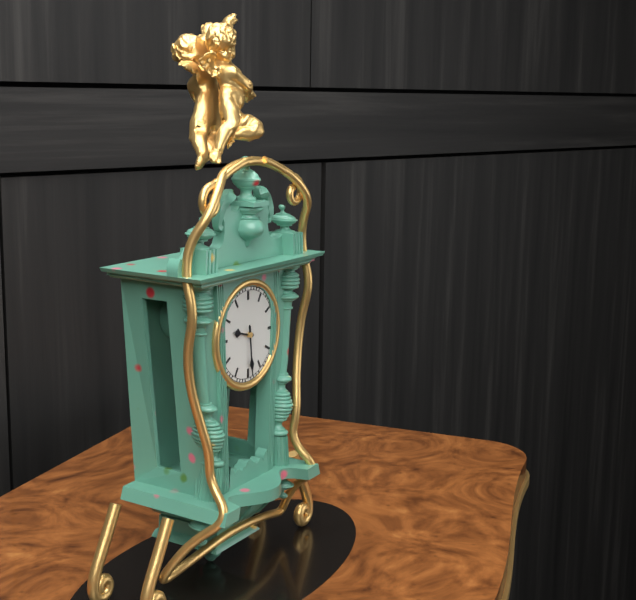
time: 9:29
